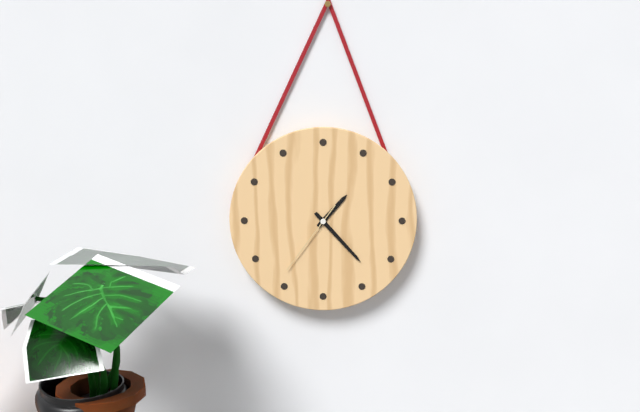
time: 1:23:36
